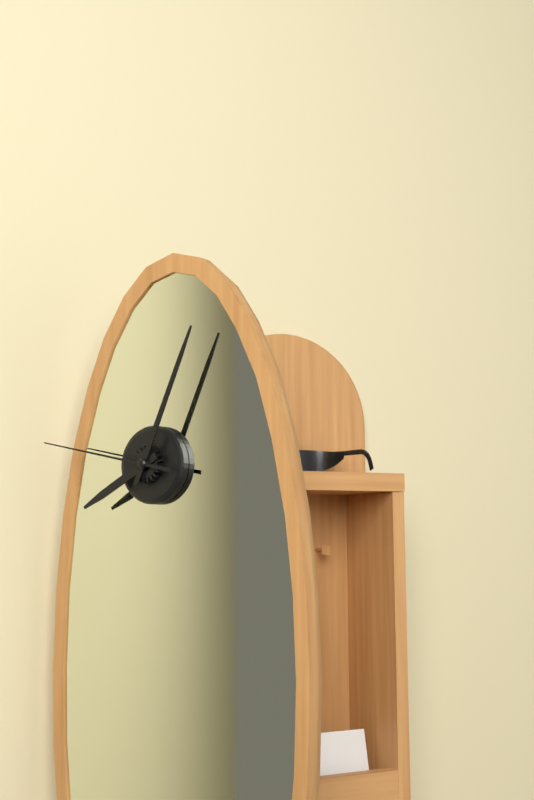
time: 8:04:47
